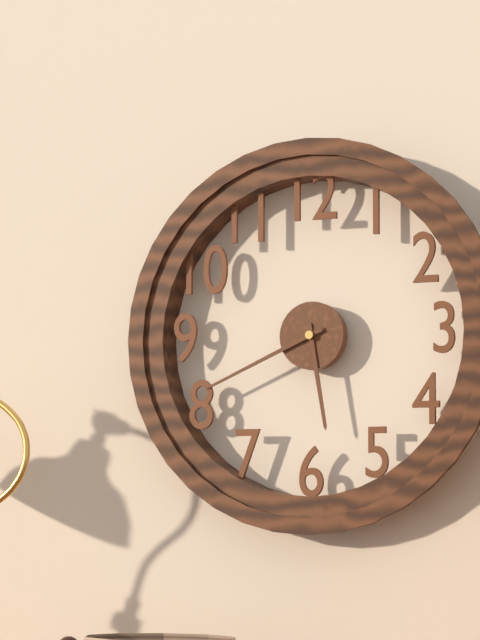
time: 5:41
